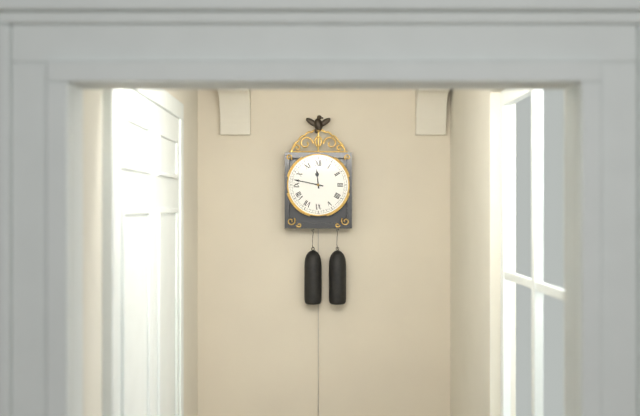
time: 11:47
